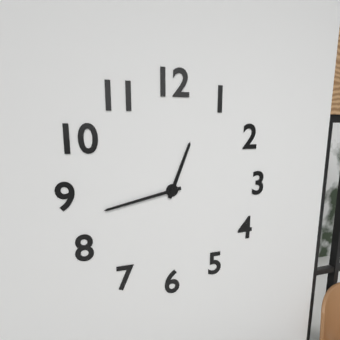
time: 12:43
